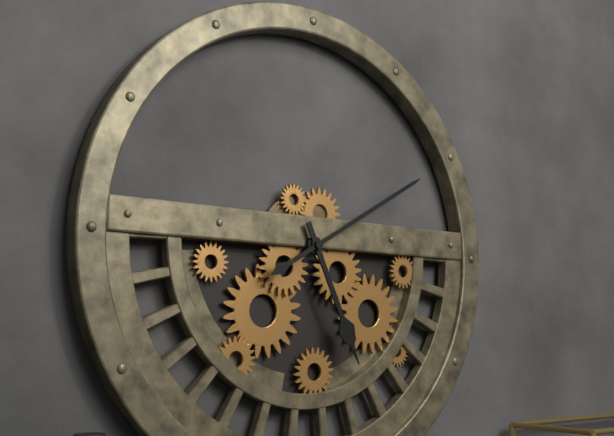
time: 5:10
